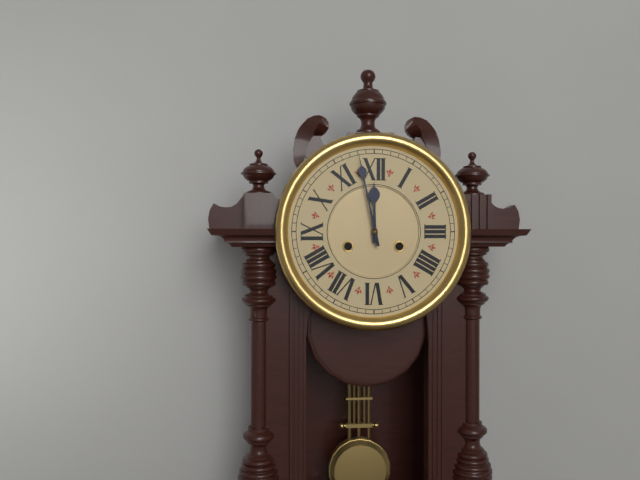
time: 11:58
